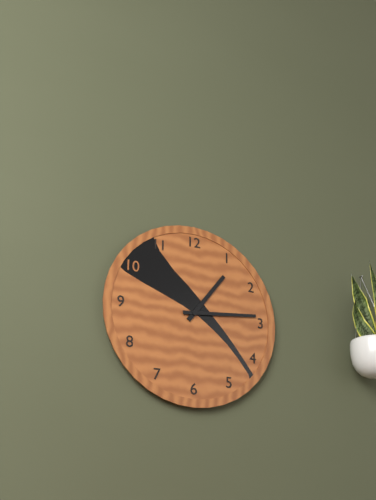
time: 1:14
